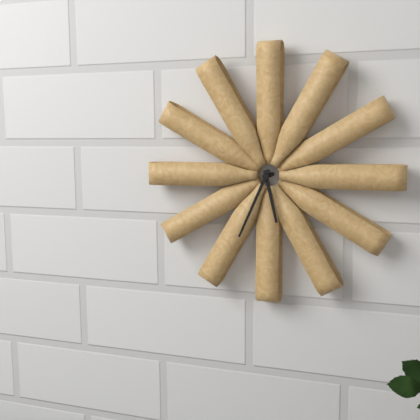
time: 5:34
